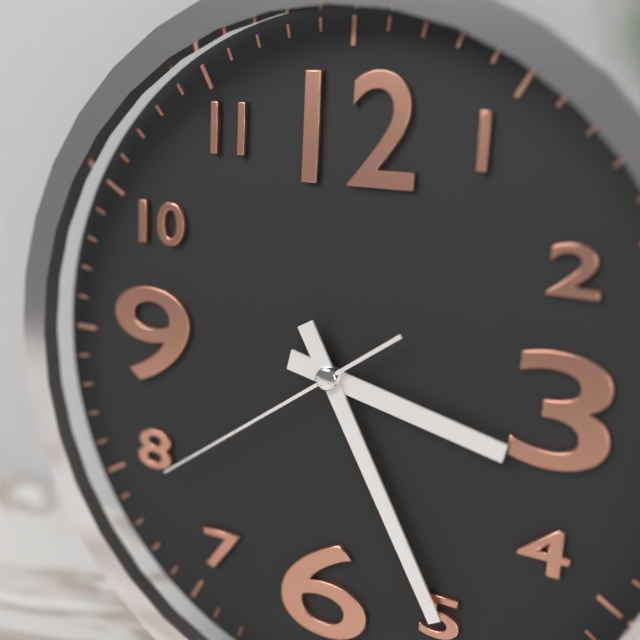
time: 3:25:39
